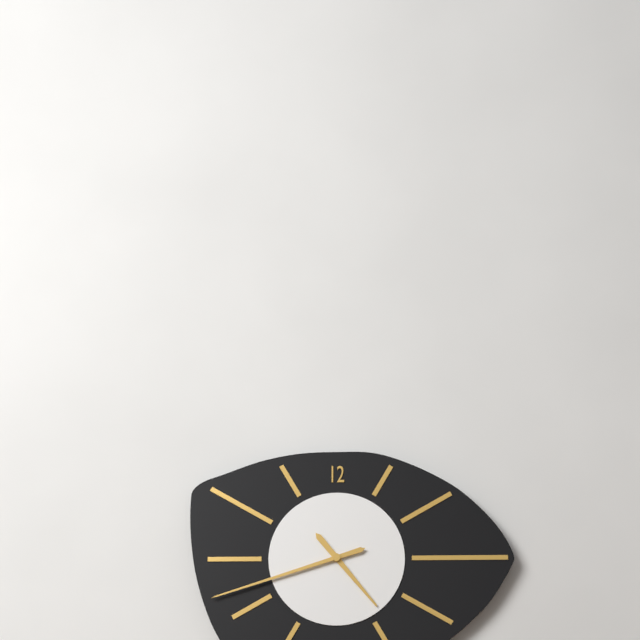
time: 4:42
